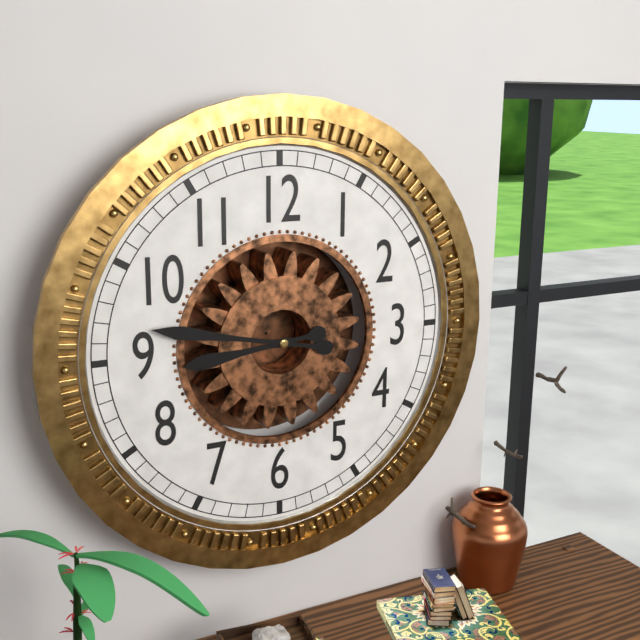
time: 8:47
